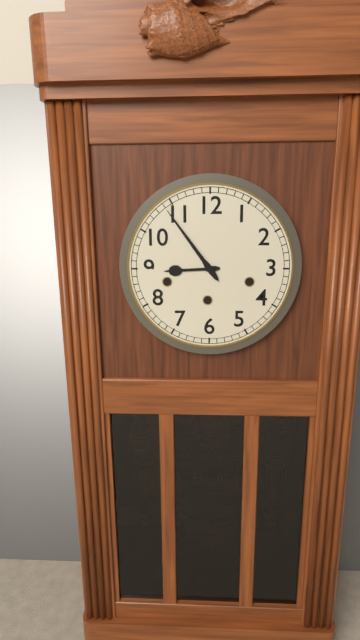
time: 8:54
